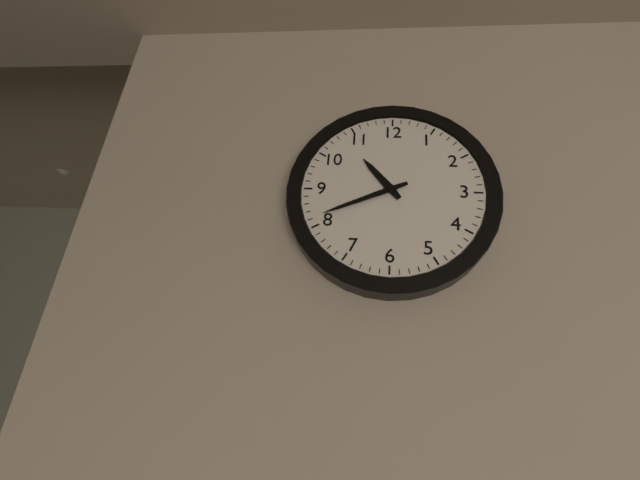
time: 10:41
